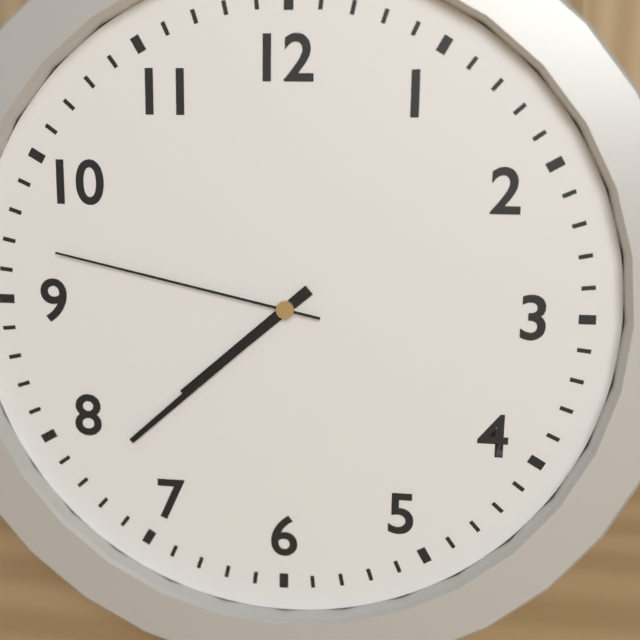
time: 7:38:47
